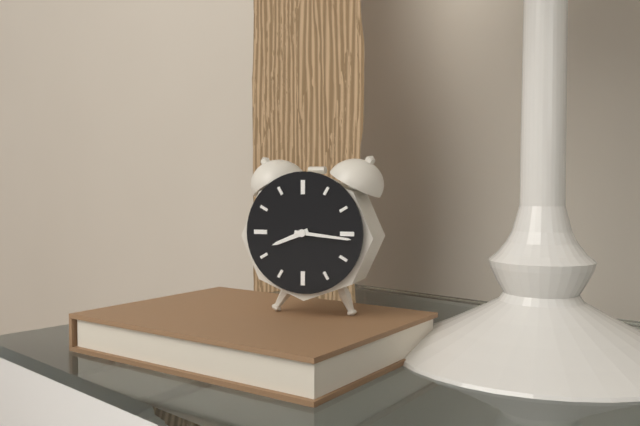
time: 8:16
